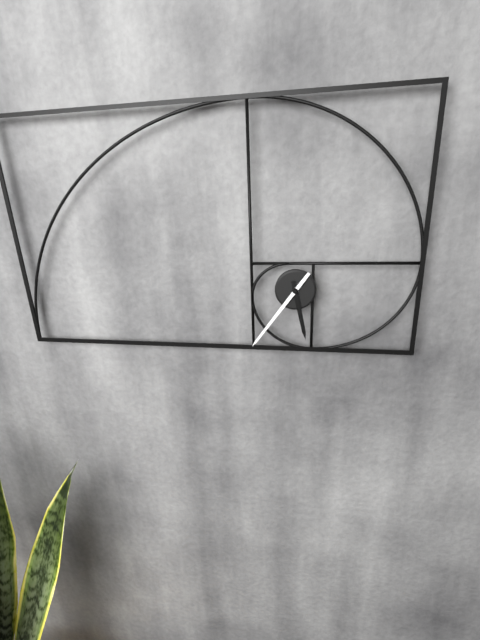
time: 5:36
